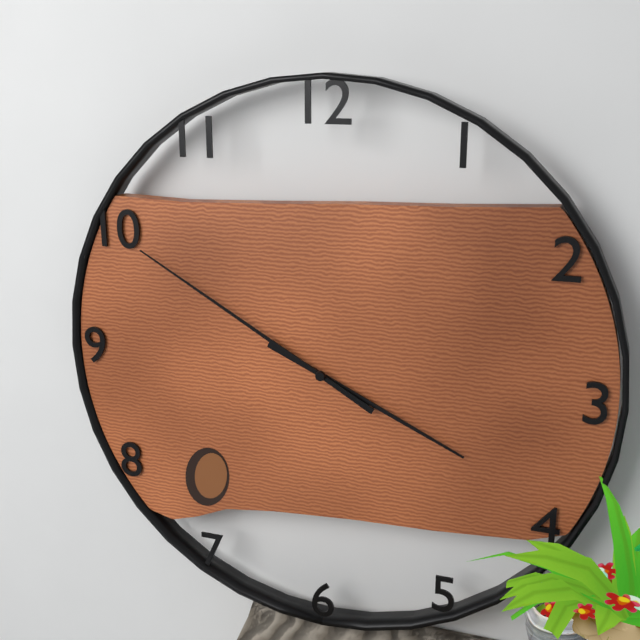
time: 3:50
